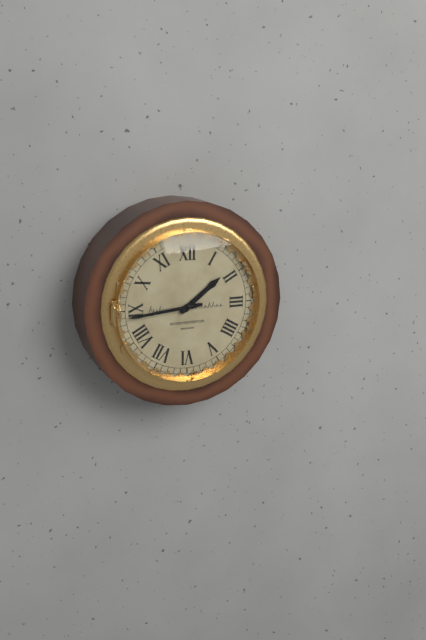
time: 1:44
